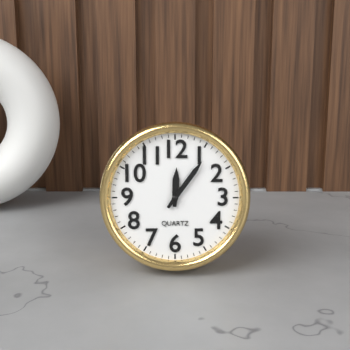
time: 12:06
